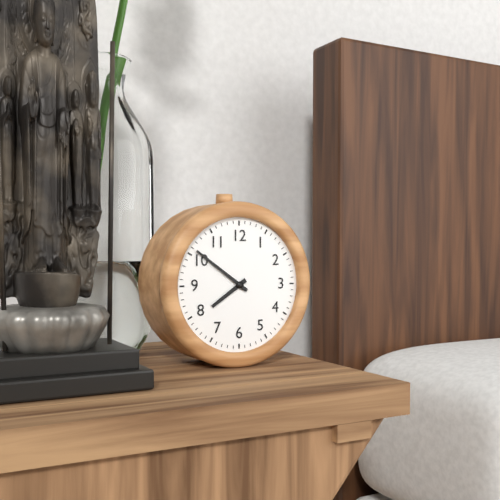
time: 7:51
